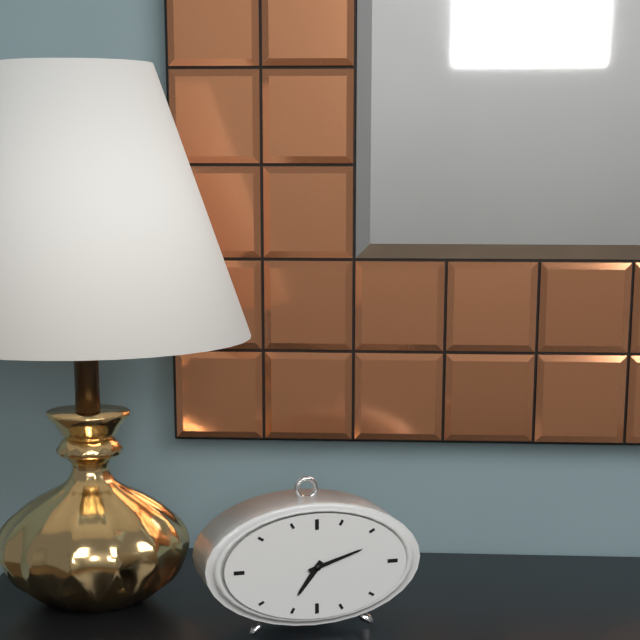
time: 7:12
